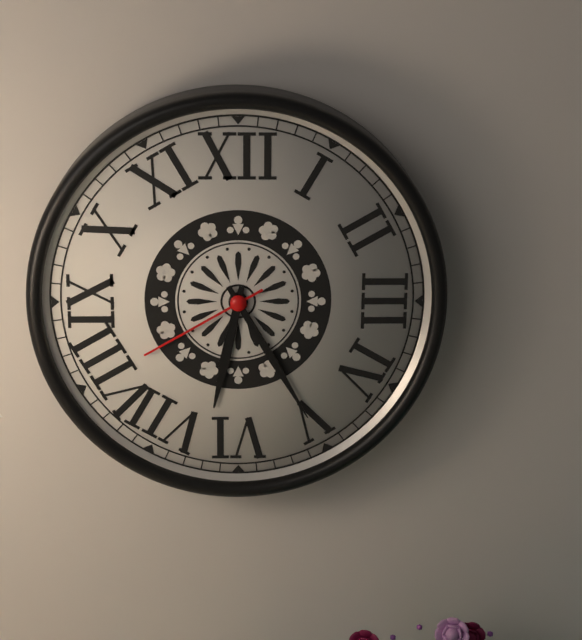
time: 6:25:40
